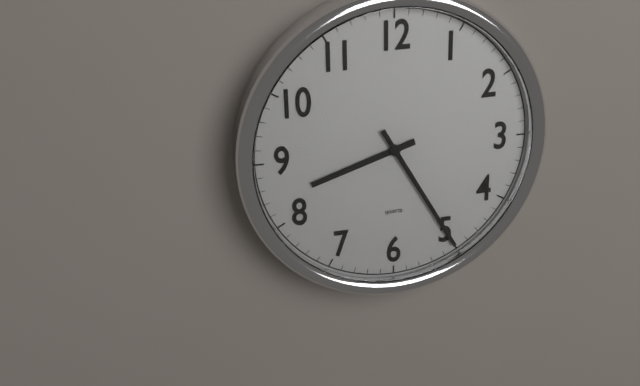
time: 8:25
